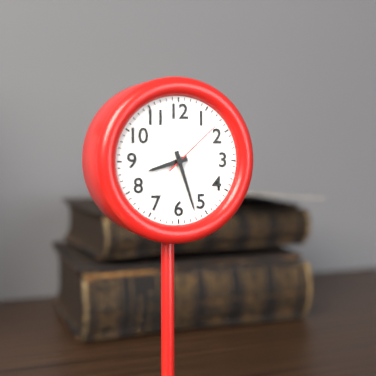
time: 8:27:08
